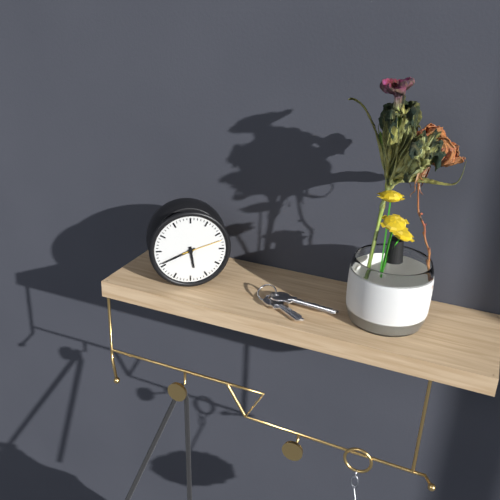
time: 5:41
